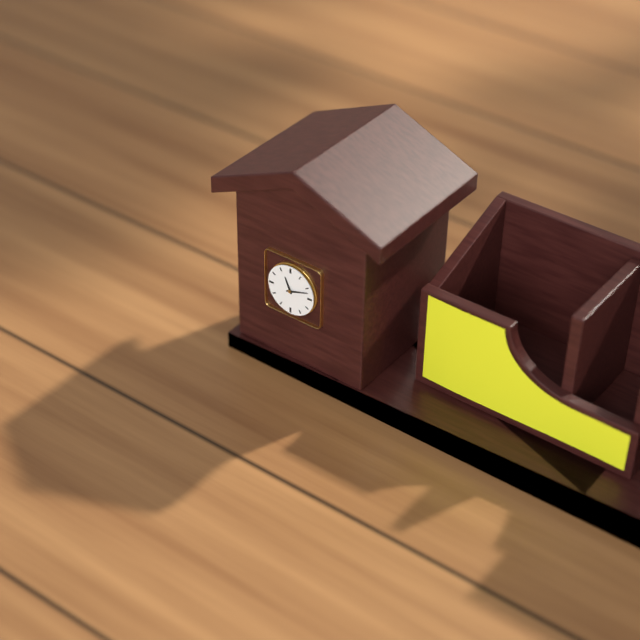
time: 11:12
